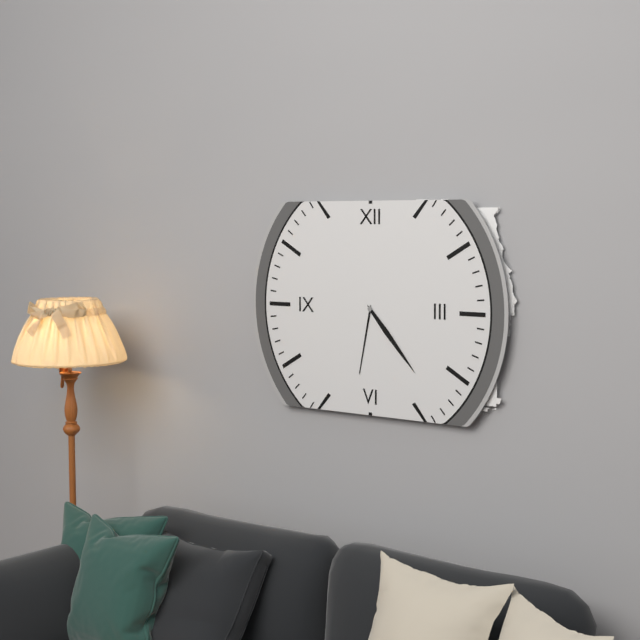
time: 6:23
